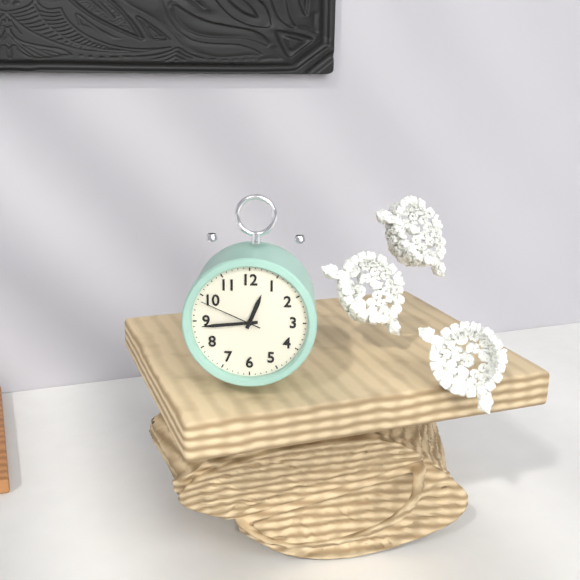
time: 12:44:49
